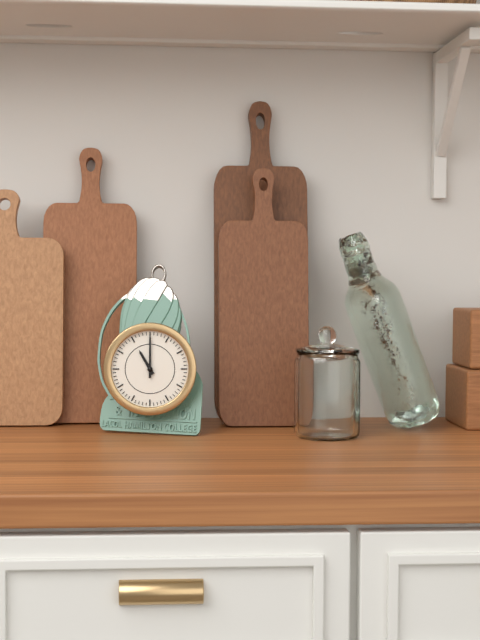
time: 11:00
